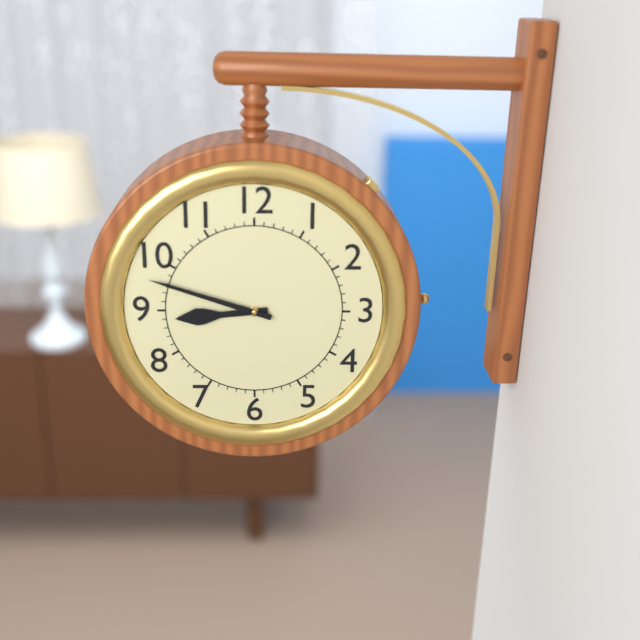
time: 8:48
